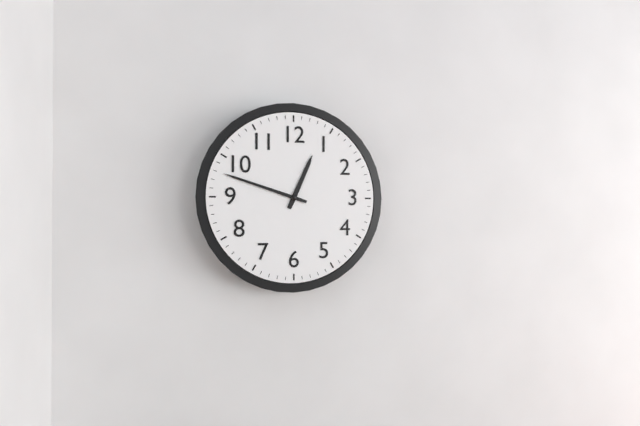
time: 12:48
